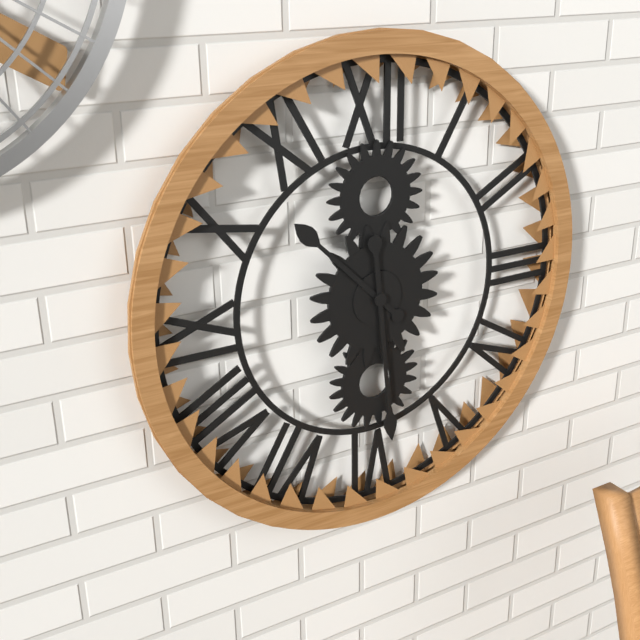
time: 10:29
